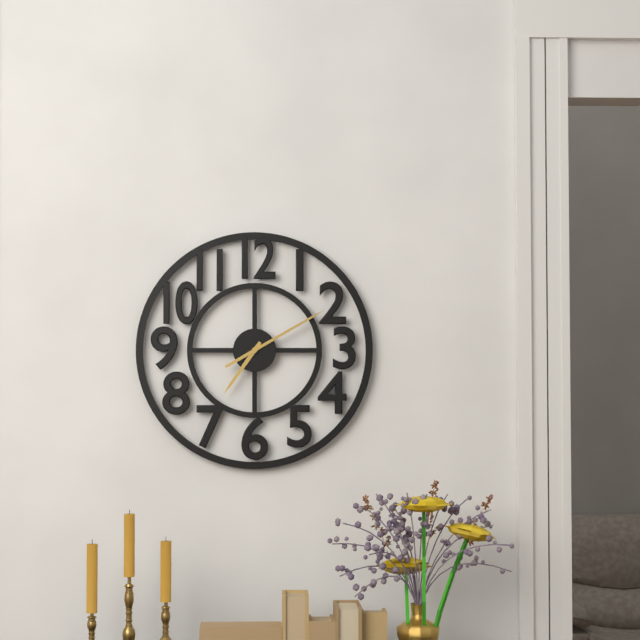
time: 7:10
